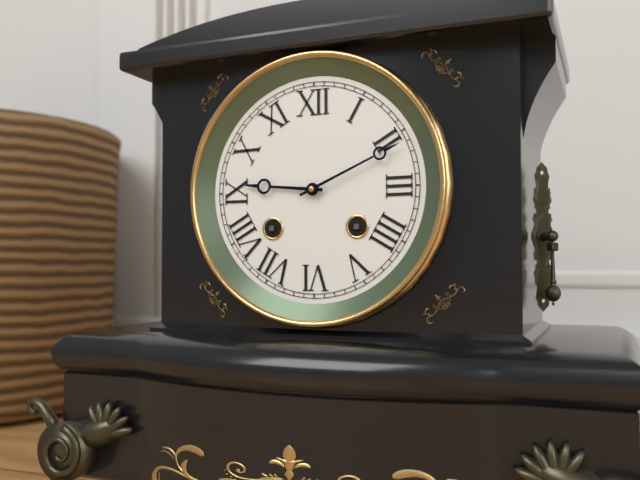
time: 9:11
